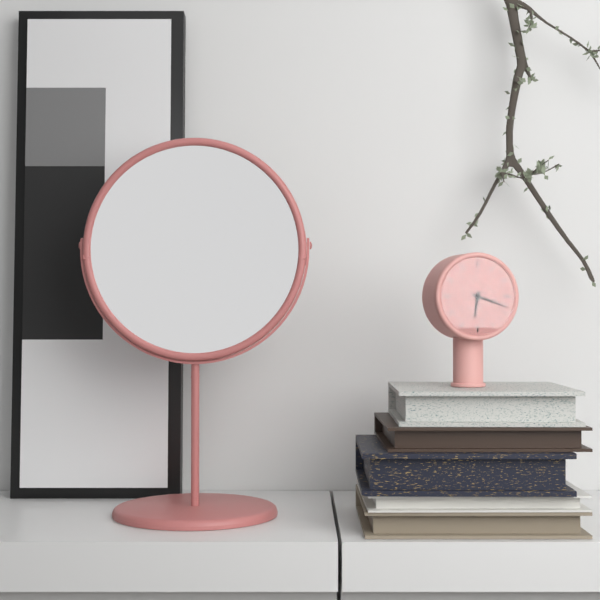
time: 6:18
